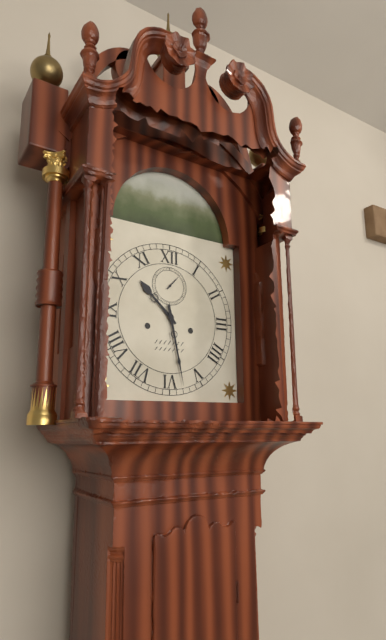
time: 10:28
